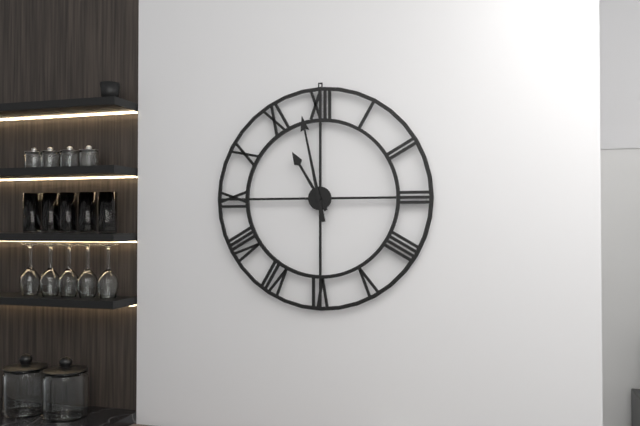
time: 10:58
